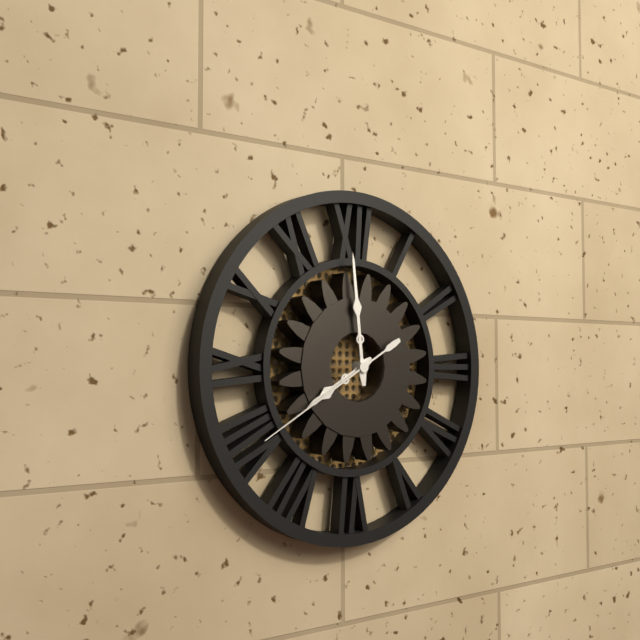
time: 7:59:40
